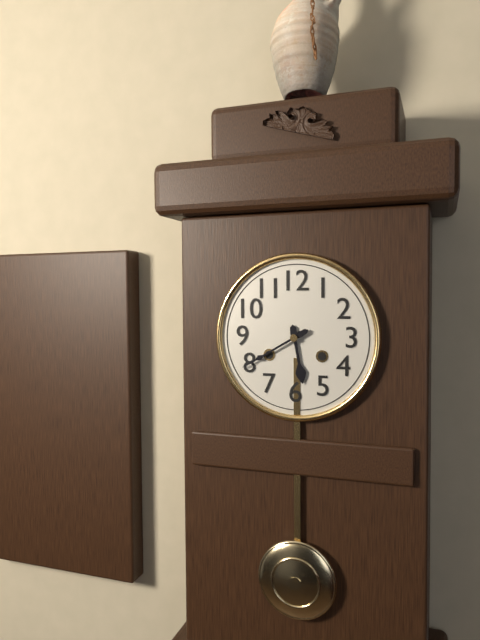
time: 5:40
